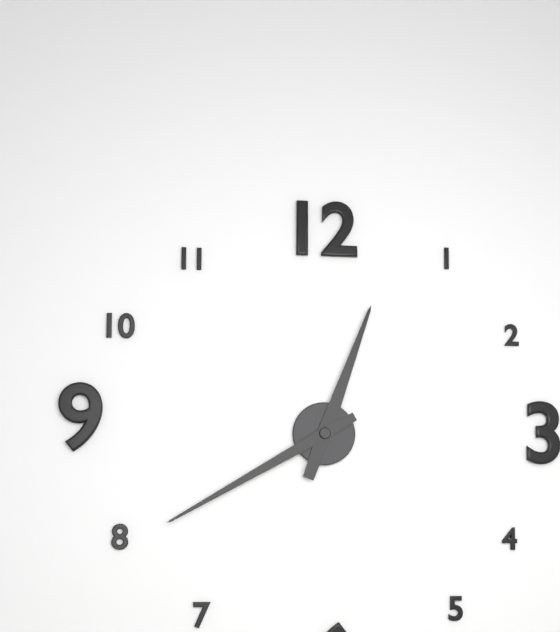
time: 12:40
